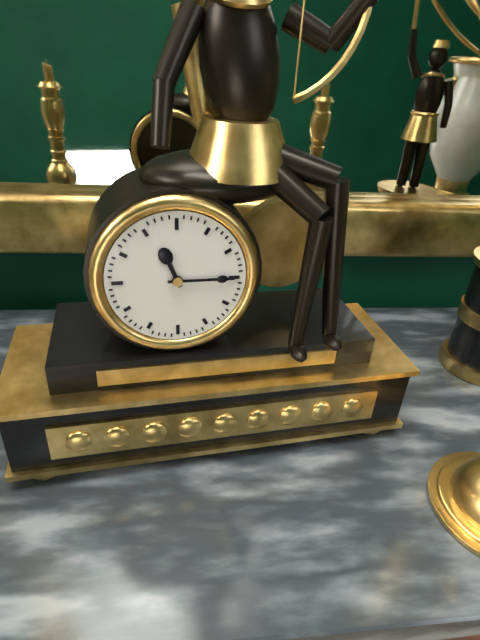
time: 11:15
